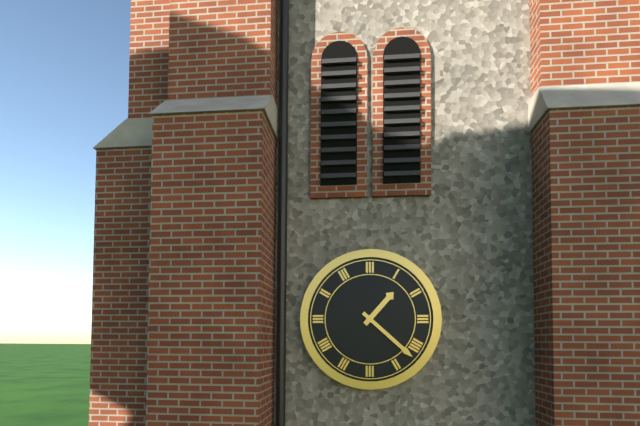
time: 1:22
